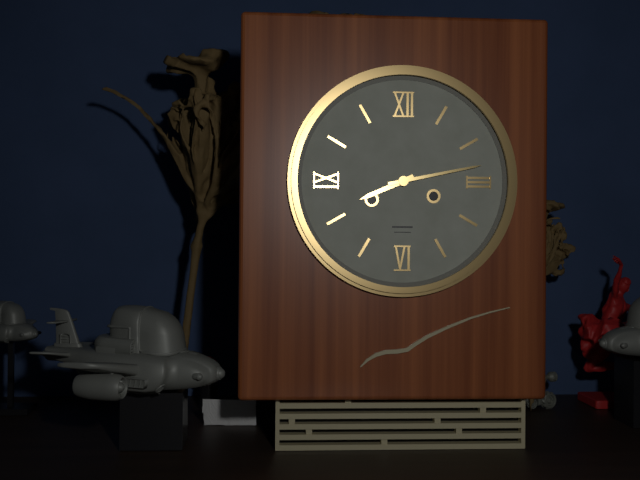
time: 8:13
